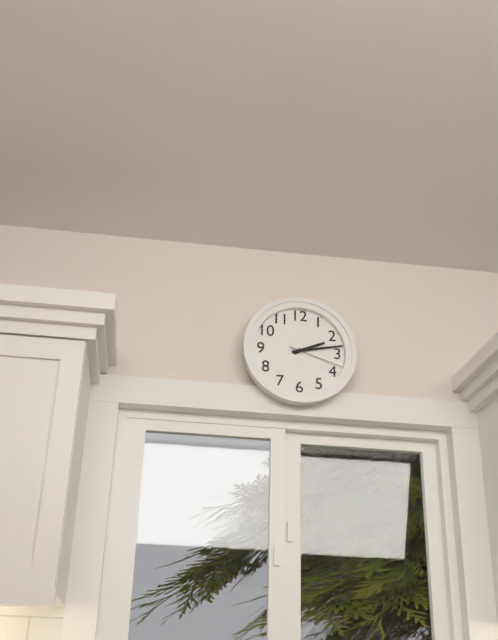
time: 2:13:18
